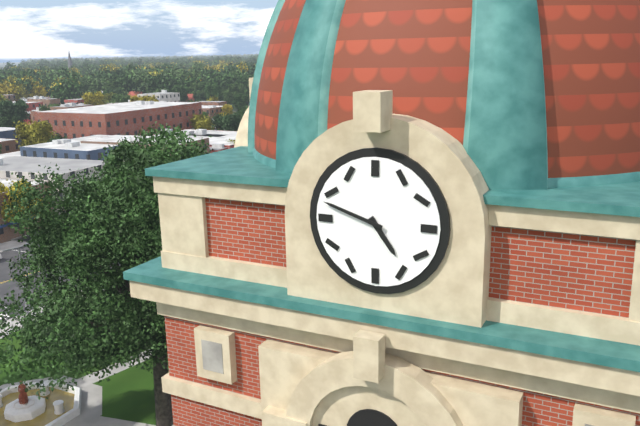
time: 4:48
